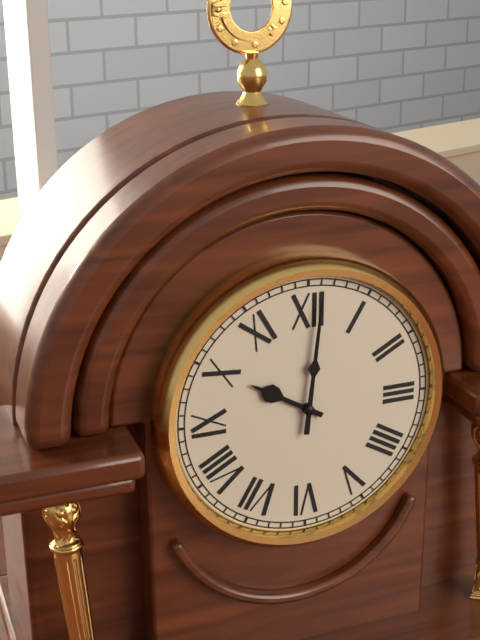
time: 10:01
